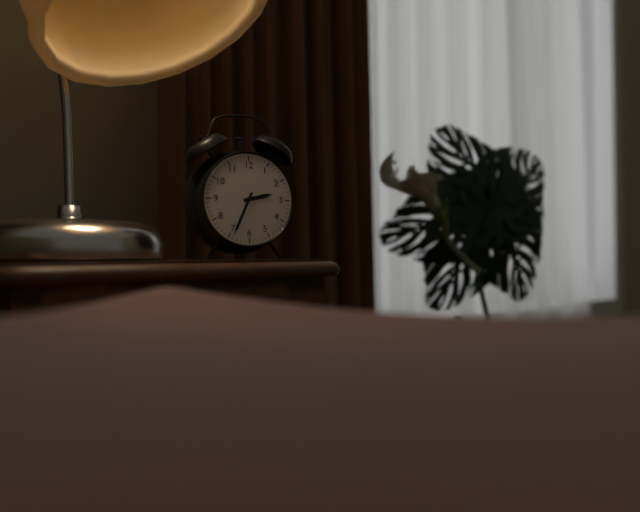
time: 2:34
